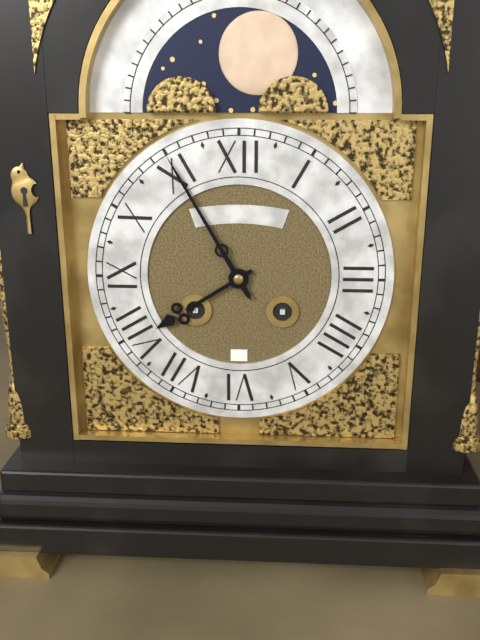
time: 7:55
